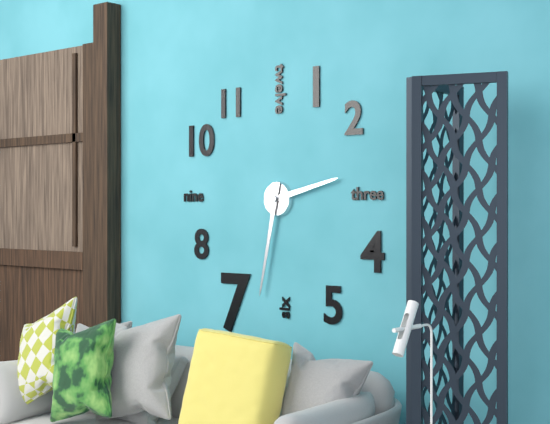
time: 2:32
